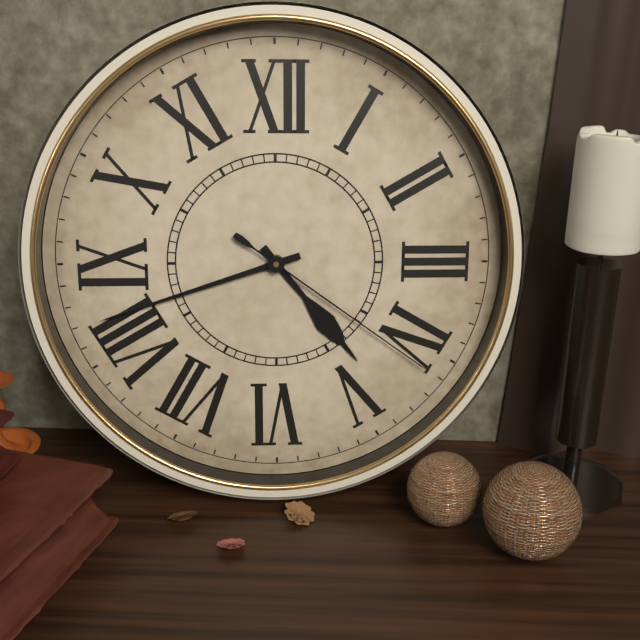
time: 4:42:21
